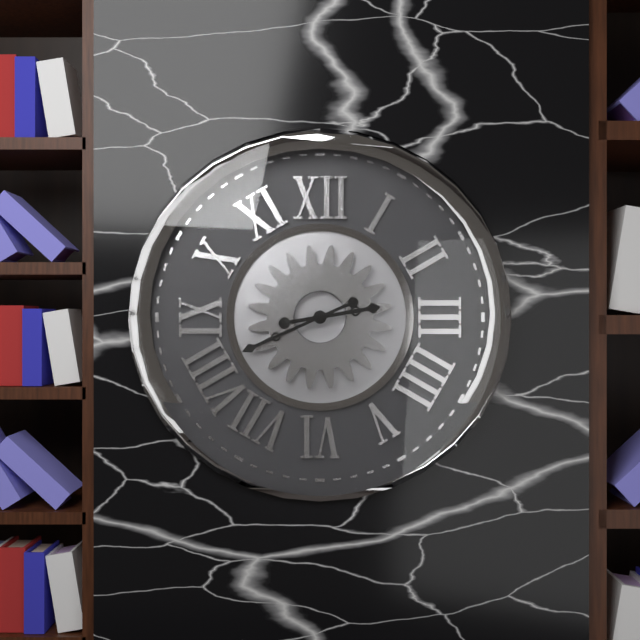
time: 2:41
